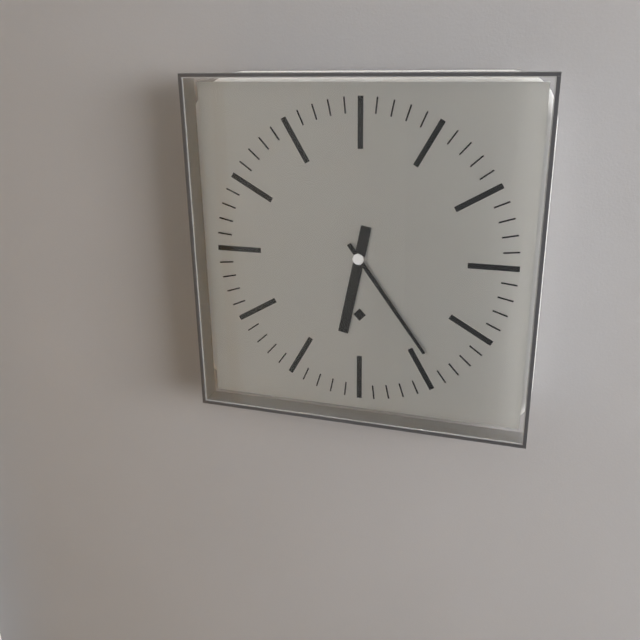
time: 6:24
